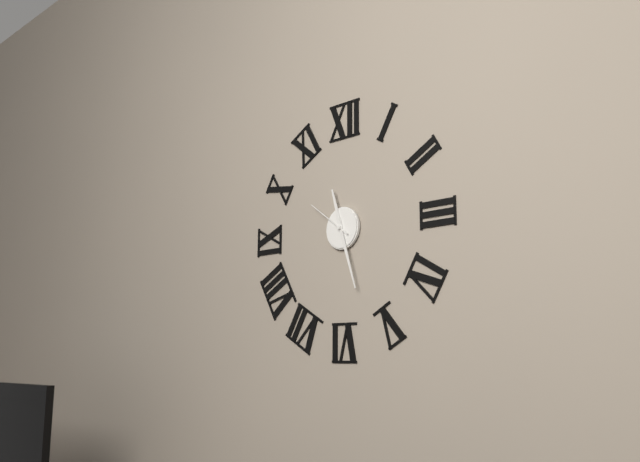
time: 11:27:51
